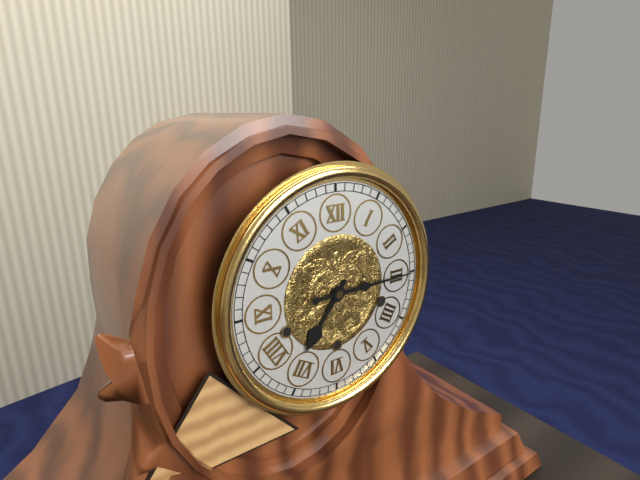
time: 7:15
